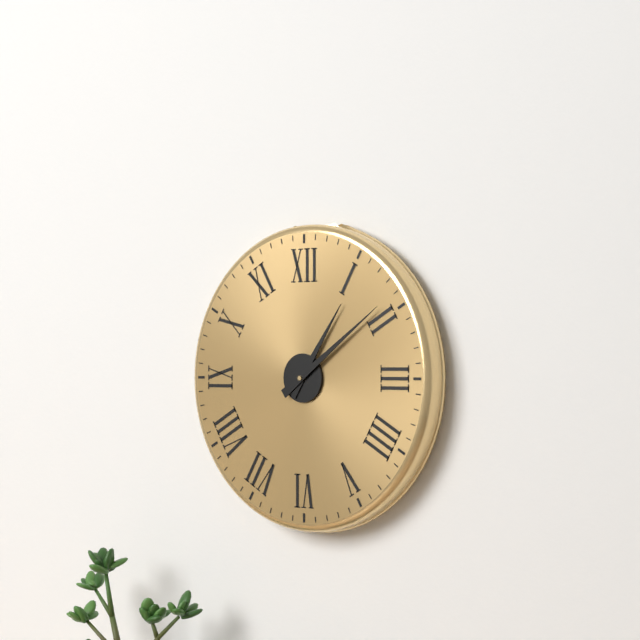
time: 1:09
